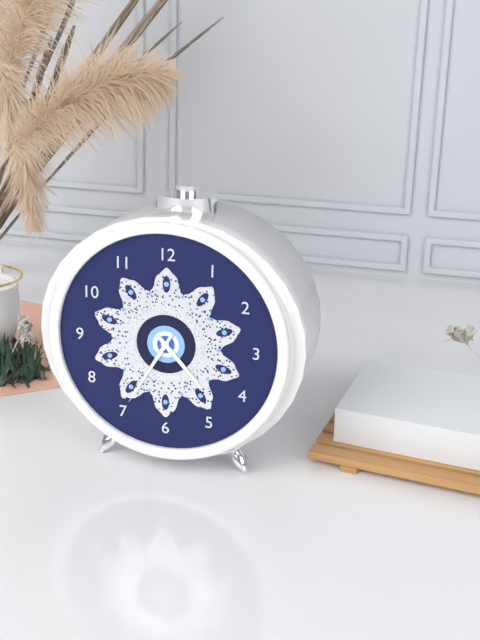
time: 4:35
